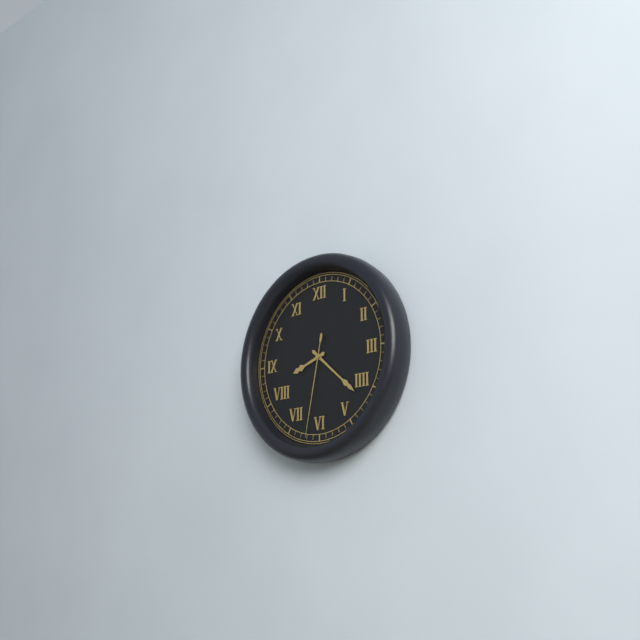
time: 8:22:32
